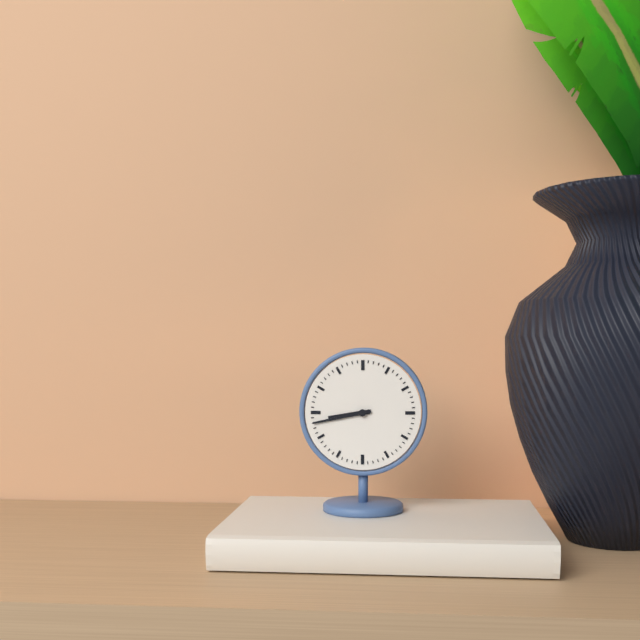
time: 8:43
